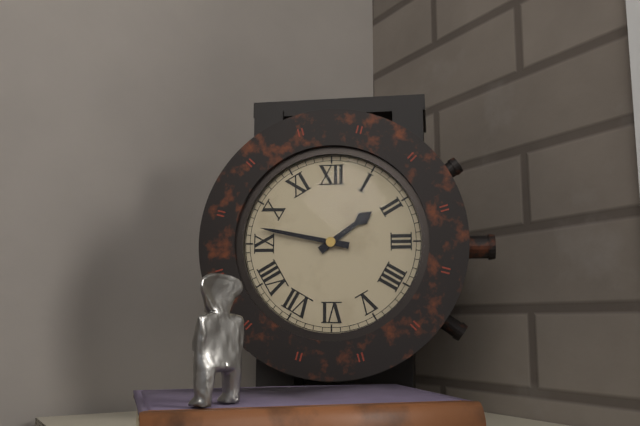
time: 1:47
